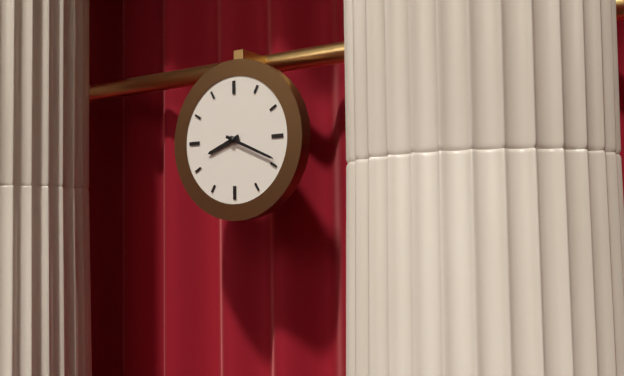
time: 8:19
